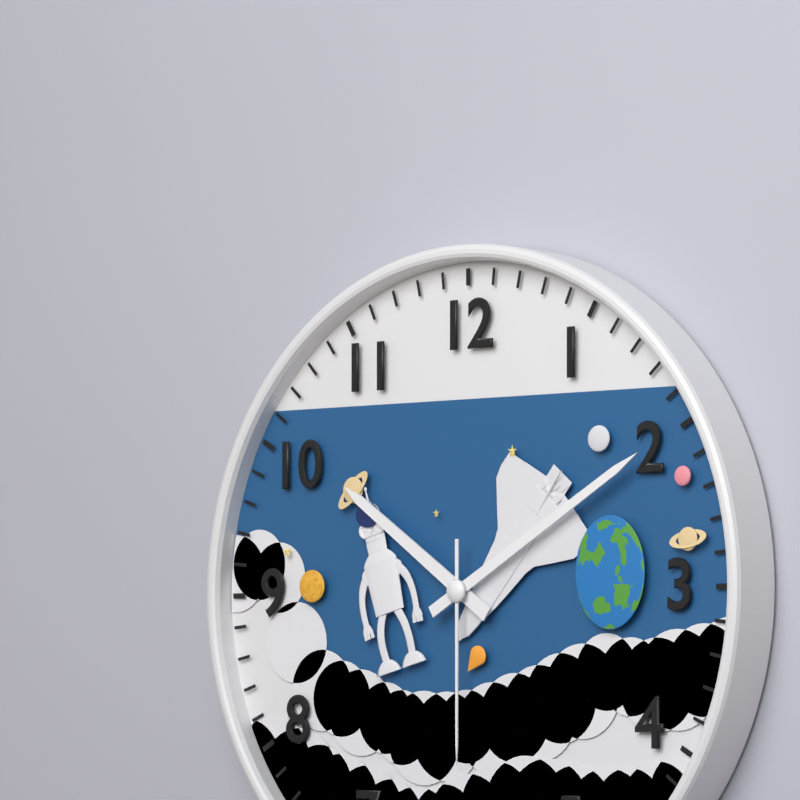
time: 10:10:30
